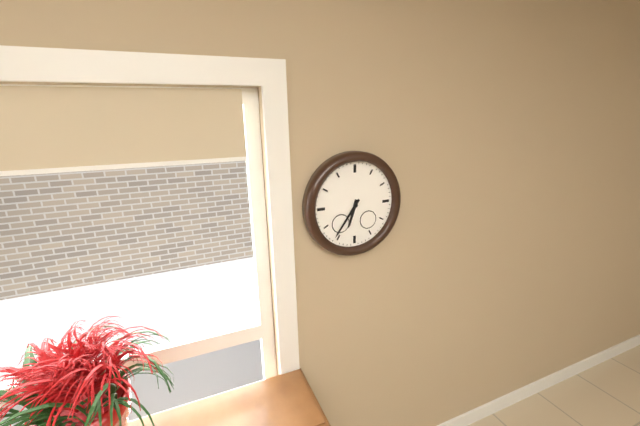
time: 6:36
